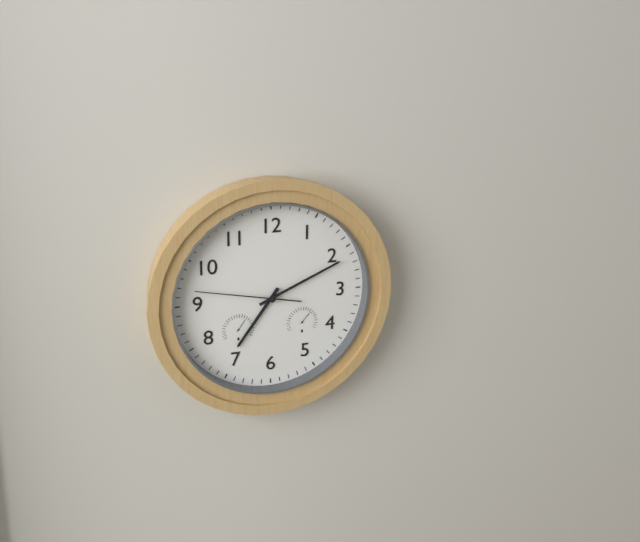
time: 7:11:47
